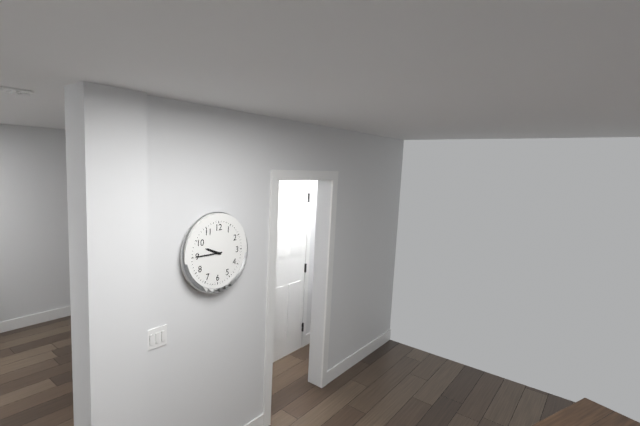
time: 9:45
